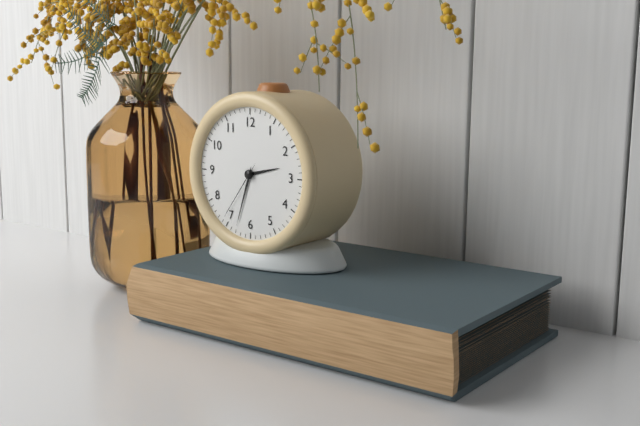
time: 2:33:36
